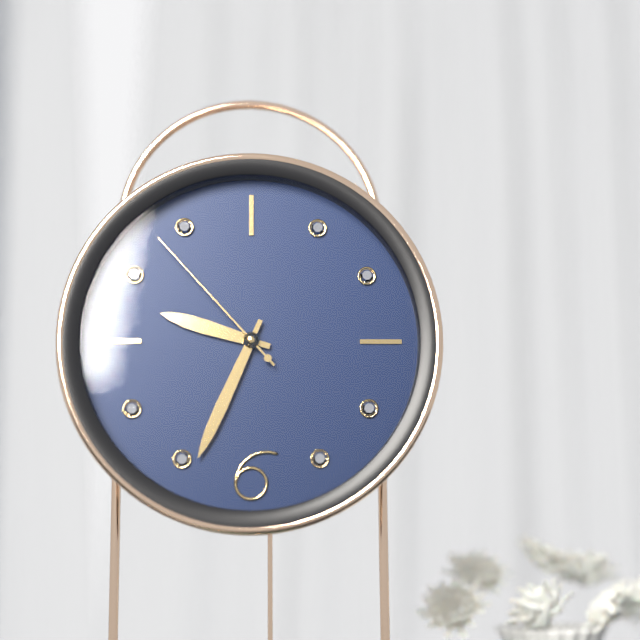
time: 9:34:53
